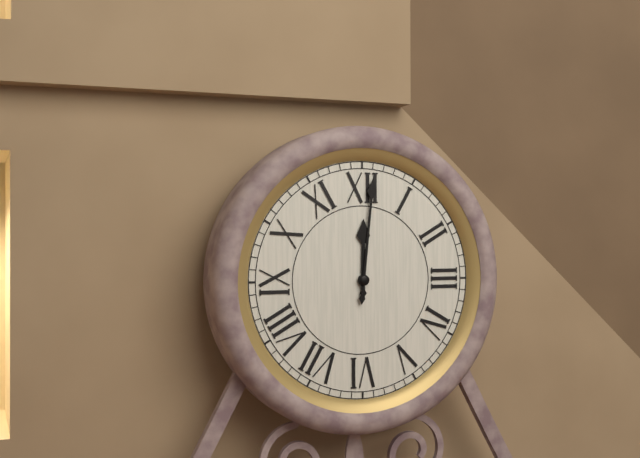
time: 12:01
